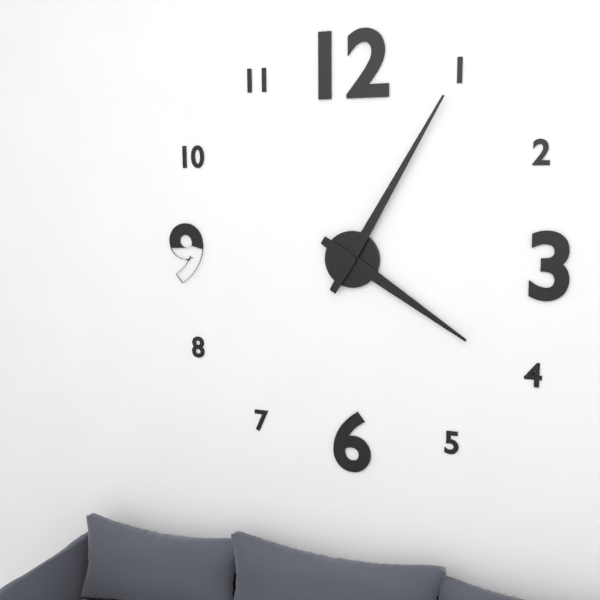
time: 4:05
